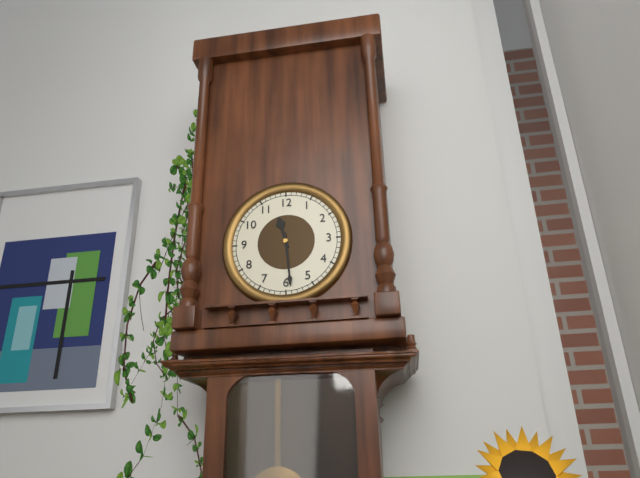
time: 11:29
